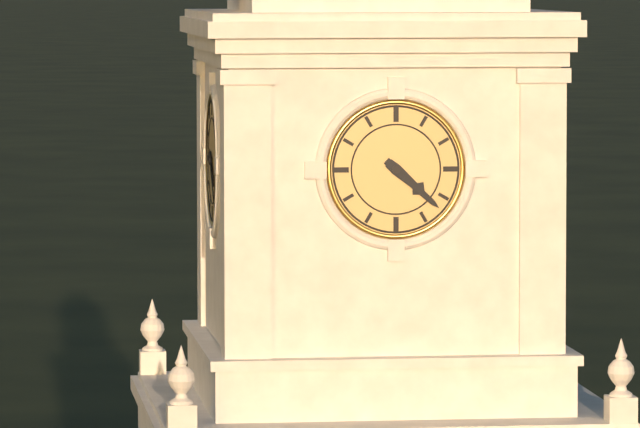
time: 4:22
